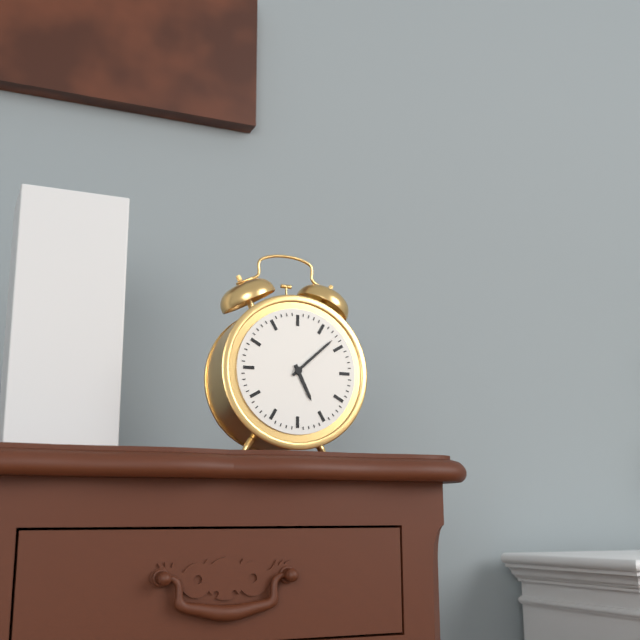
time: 5:08
